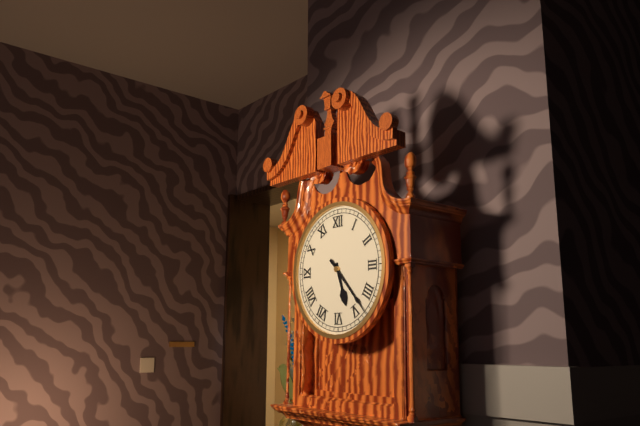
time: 5:23
